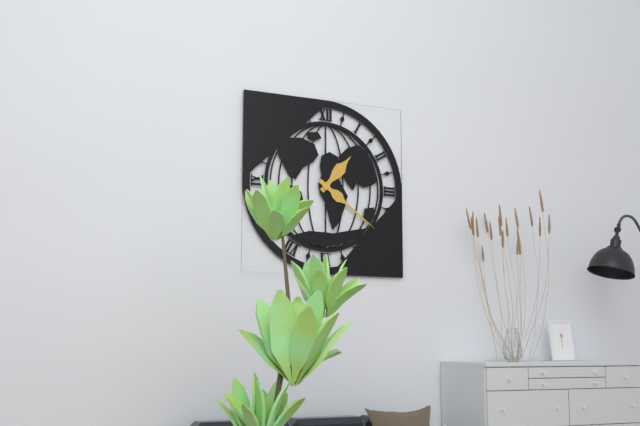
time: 1:21
